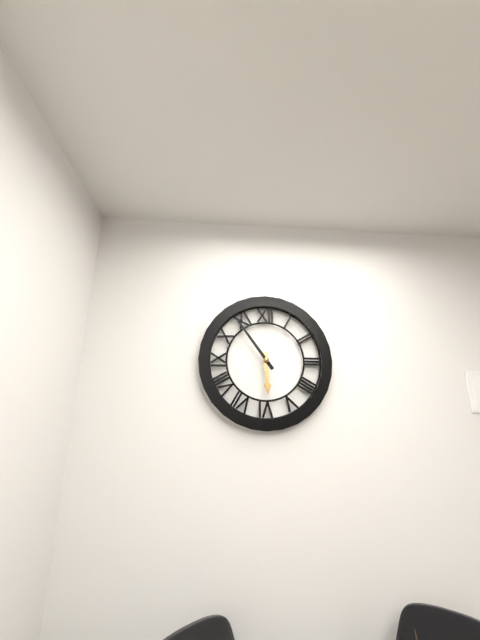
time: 5:54
